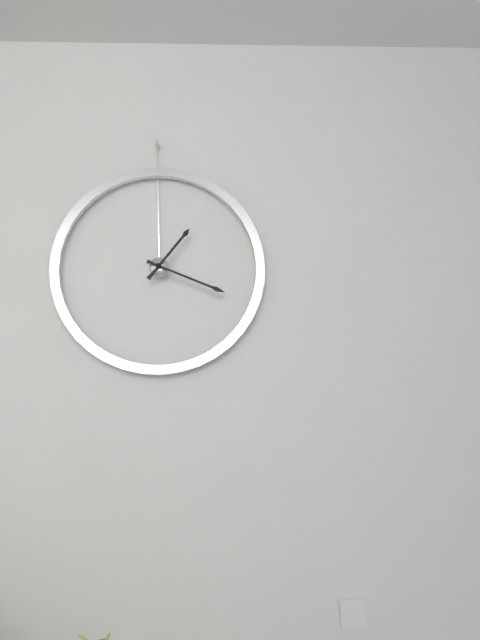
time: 1:19
